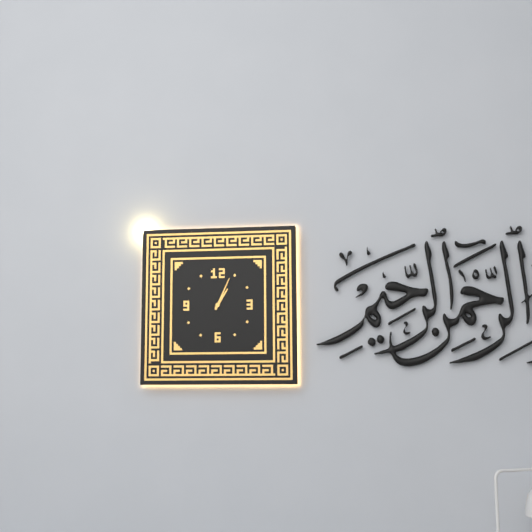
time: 1:04
